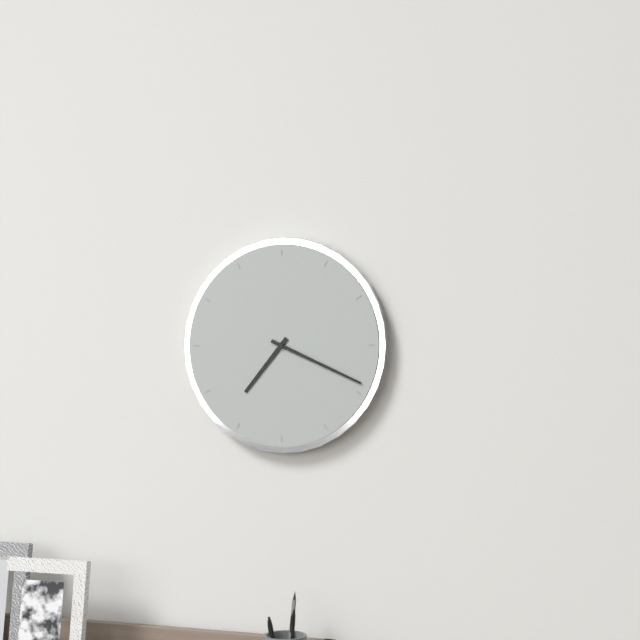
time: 7:19
